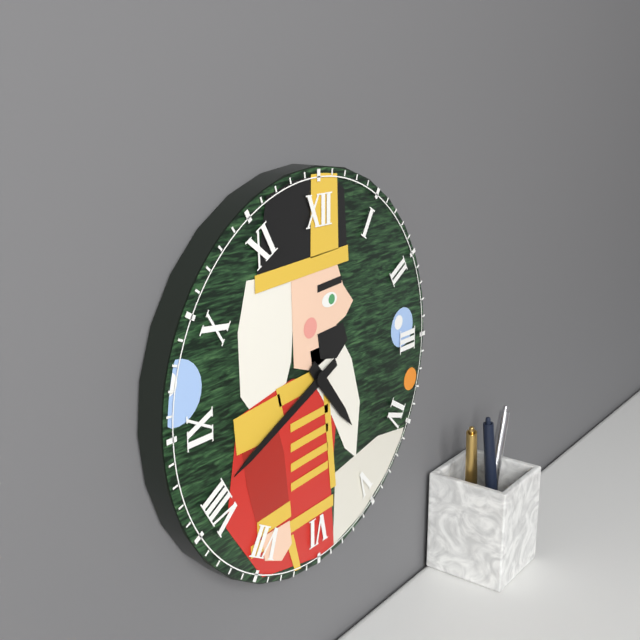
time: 4:41
